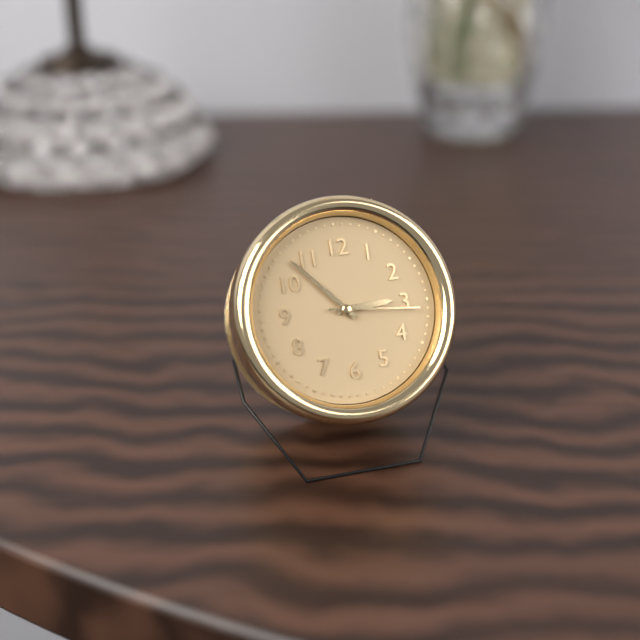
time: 2:53:16
